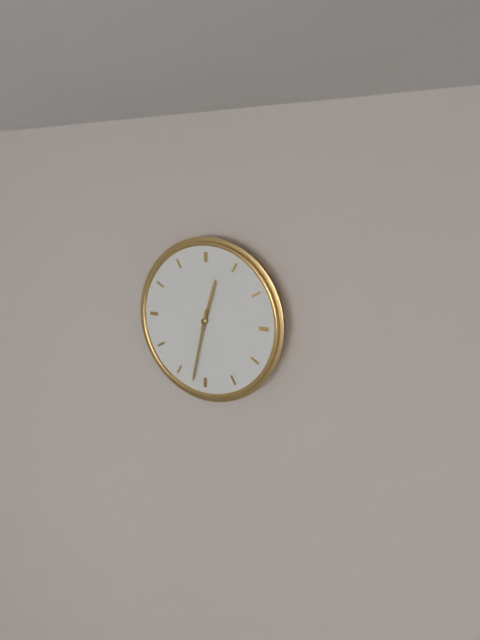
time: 12:32
